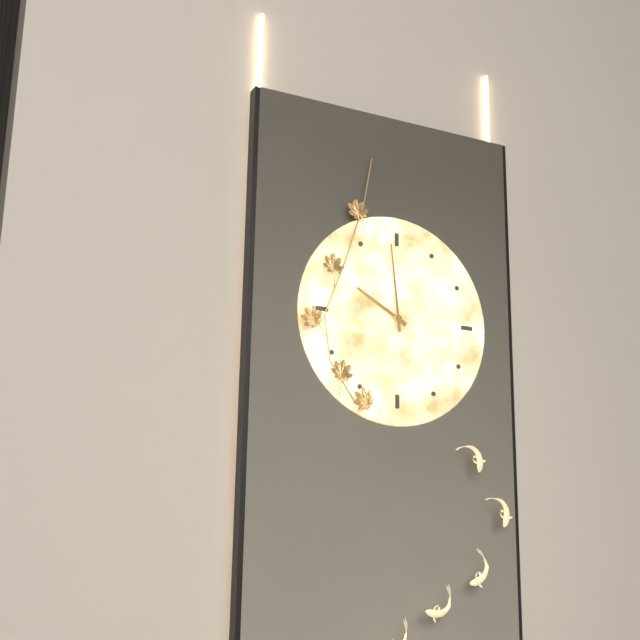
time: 9:59
